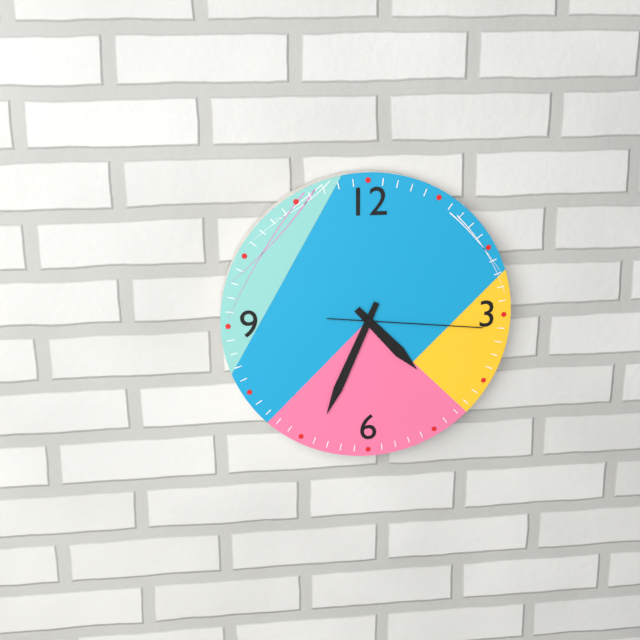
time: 4:34:16
